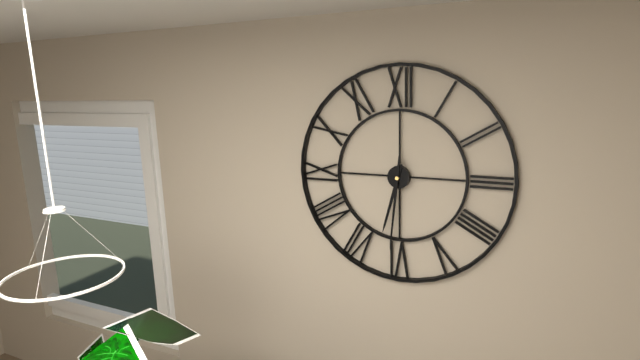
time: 6:31
